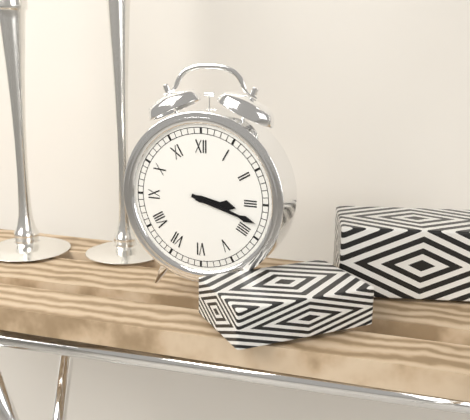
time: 3:18
